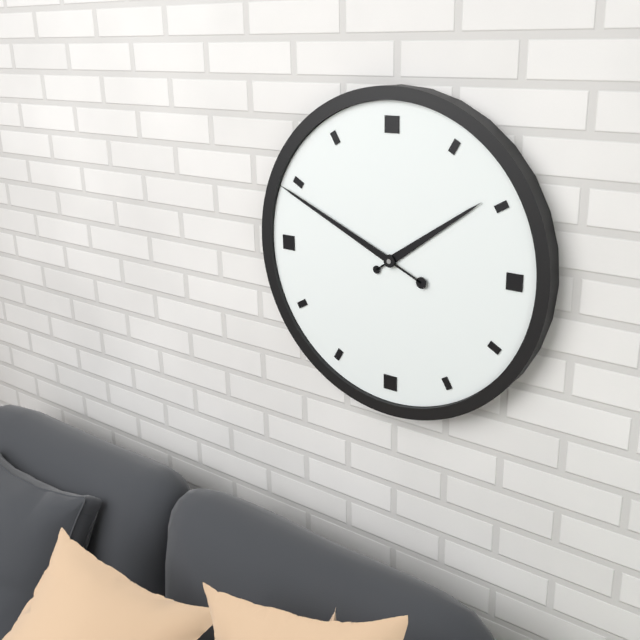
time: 1:49
